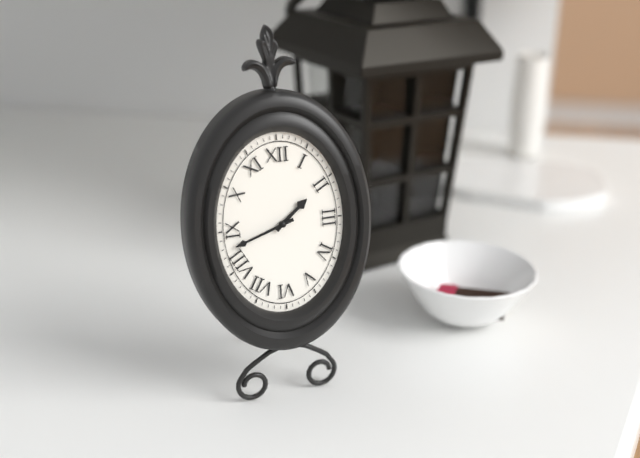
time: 1:42
